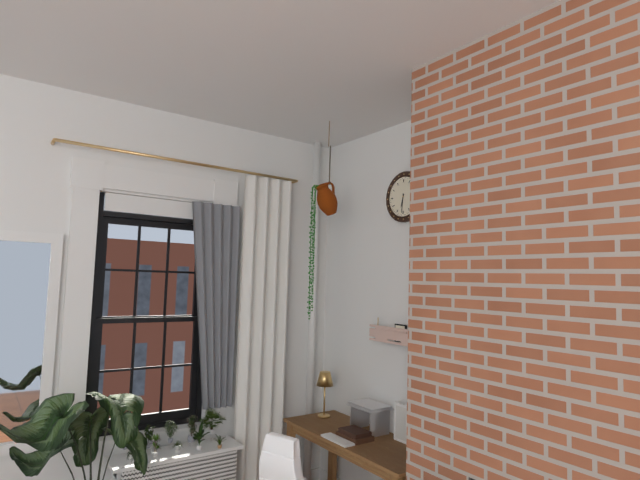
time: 6:31
